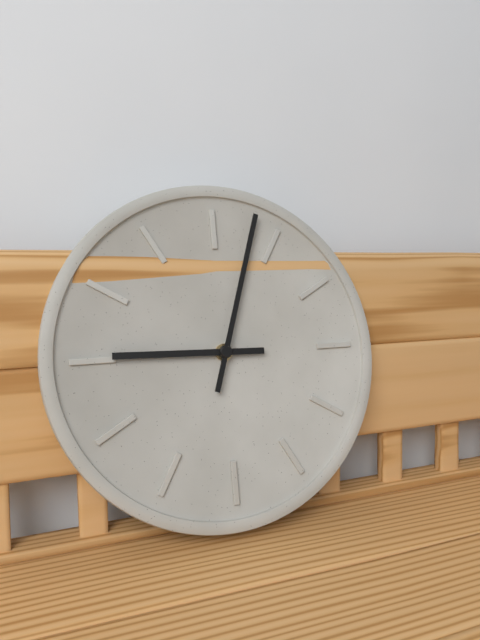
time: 9:03
